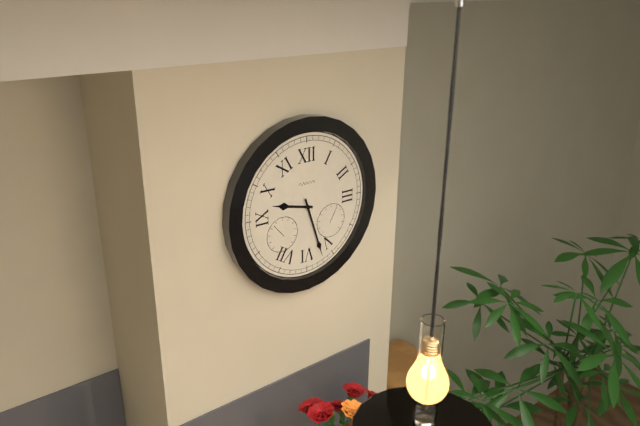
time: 9:27
